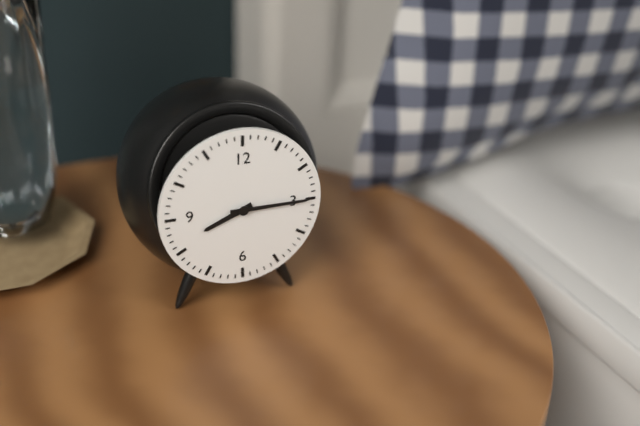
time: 8:15
